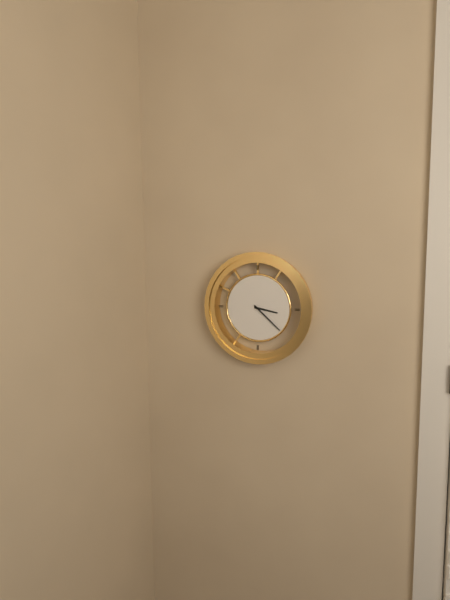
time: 3:22
